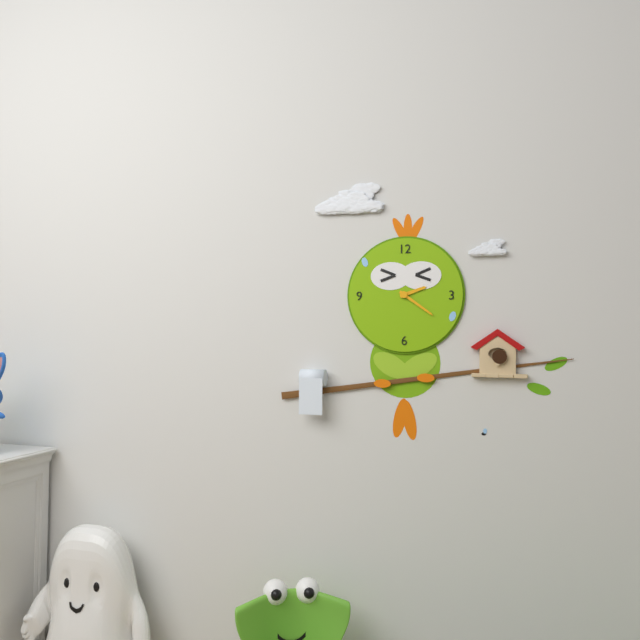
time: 2:21
